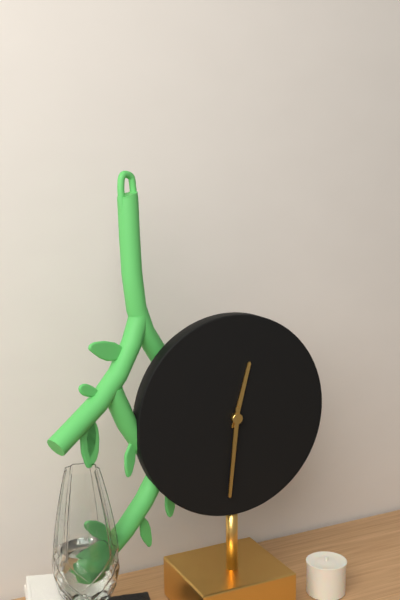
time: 12:31
